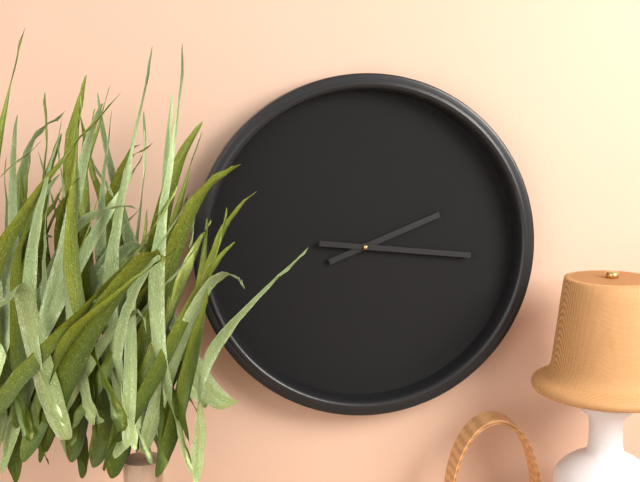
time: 2:16
